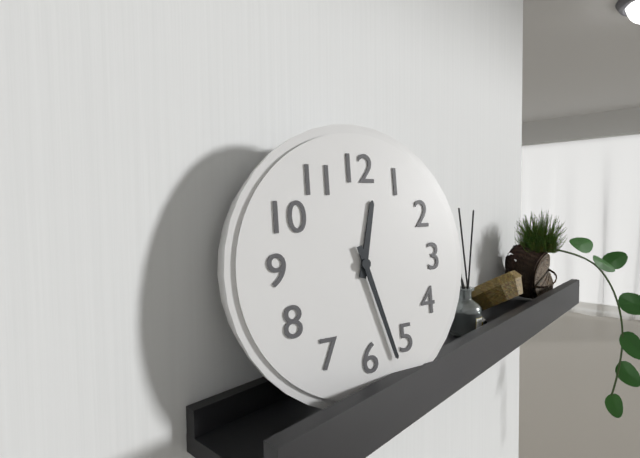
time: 12:27
